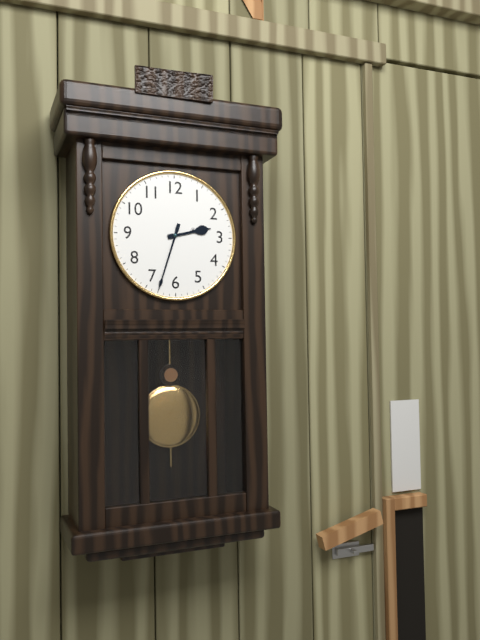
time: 2:33
